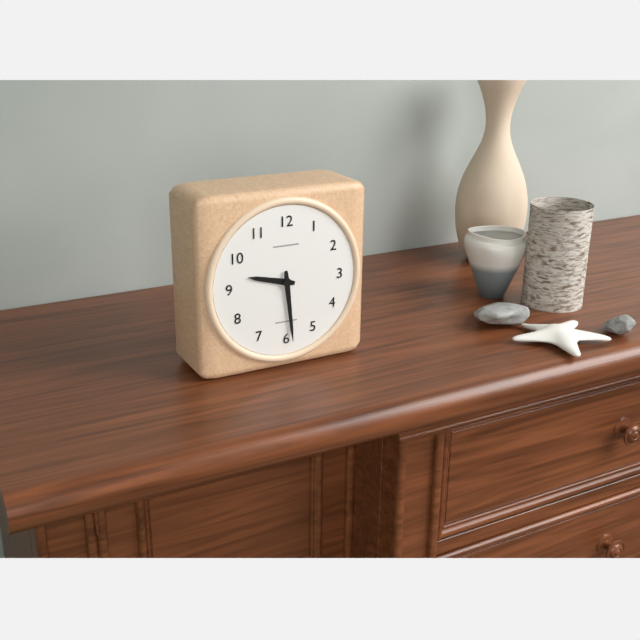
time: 9:29
